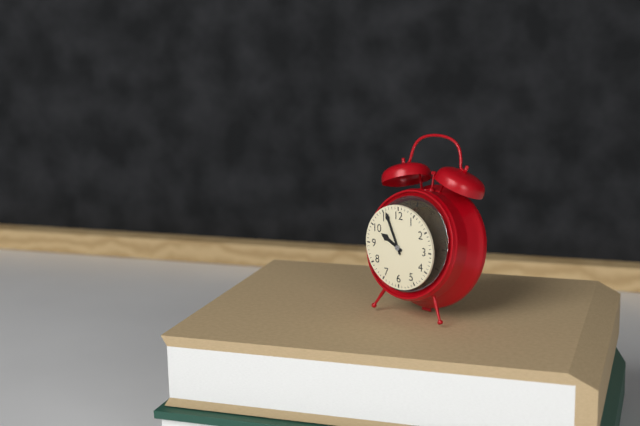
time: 9:56
